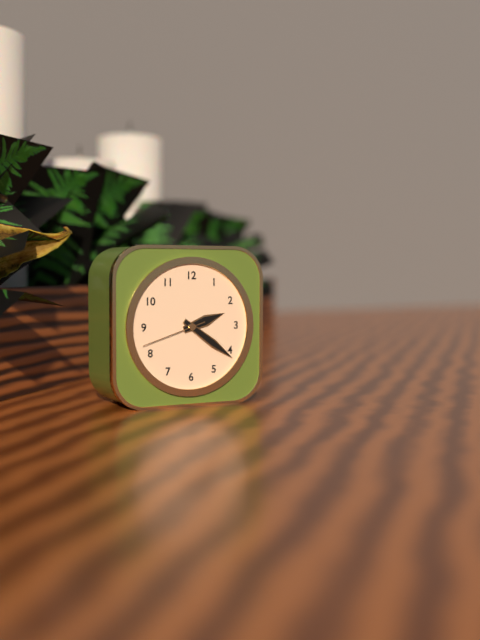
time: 2:21:42
